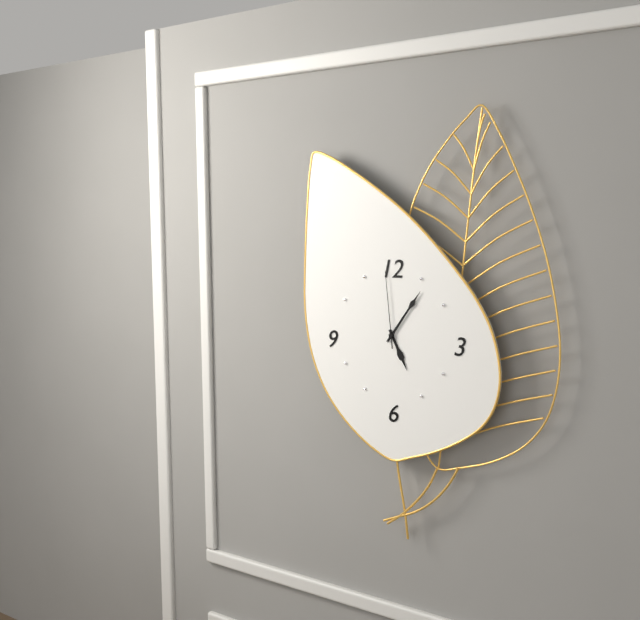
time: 5:06:59
